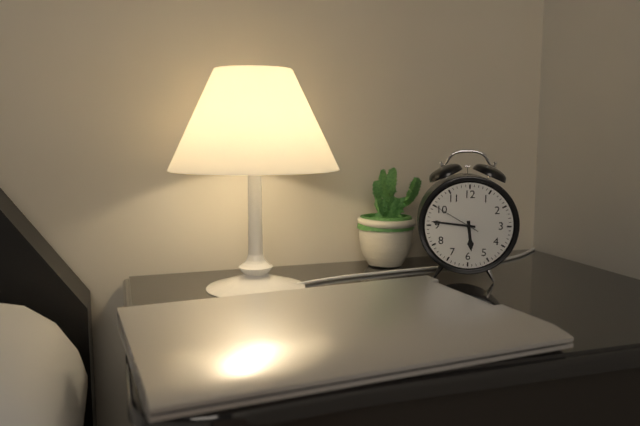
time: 5:46
